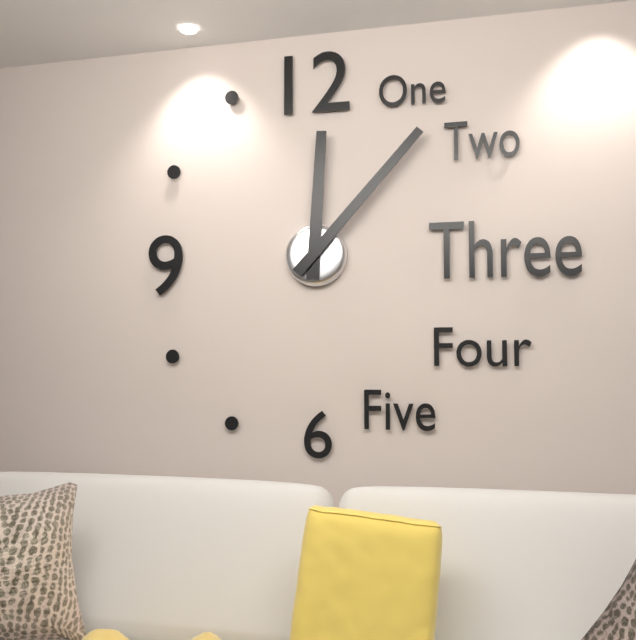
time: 12:07
